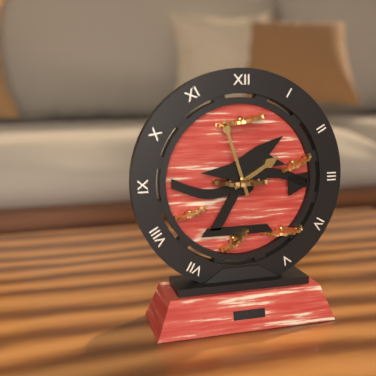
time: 1:57
